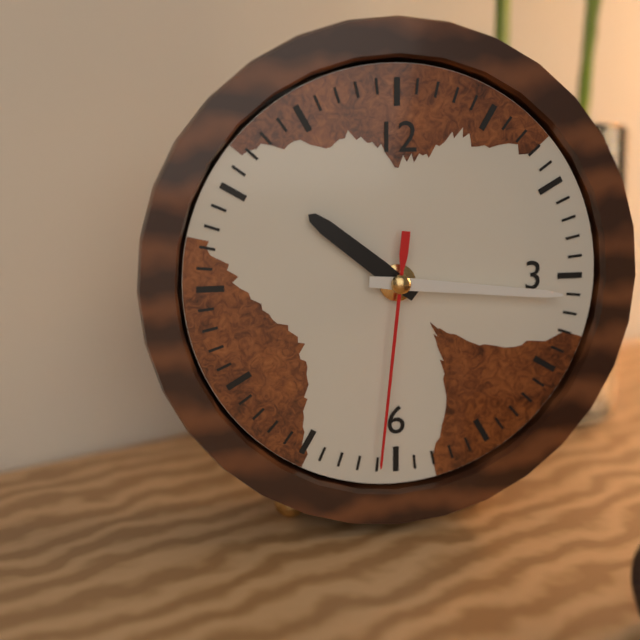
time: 10:16:31
